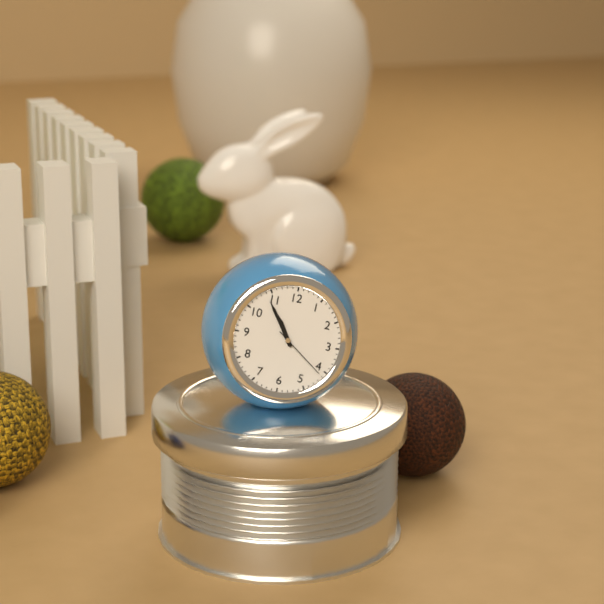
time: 10:54:21
